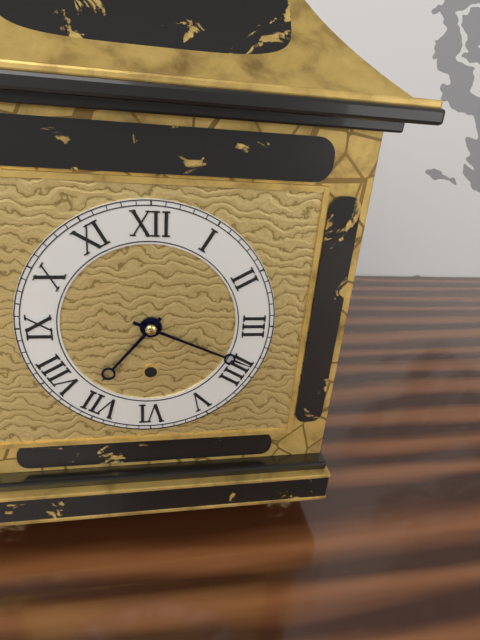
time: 7:19
